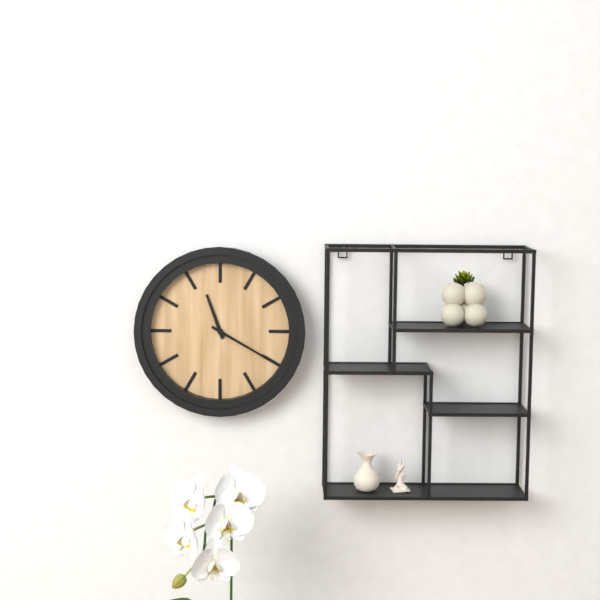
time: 11:20
